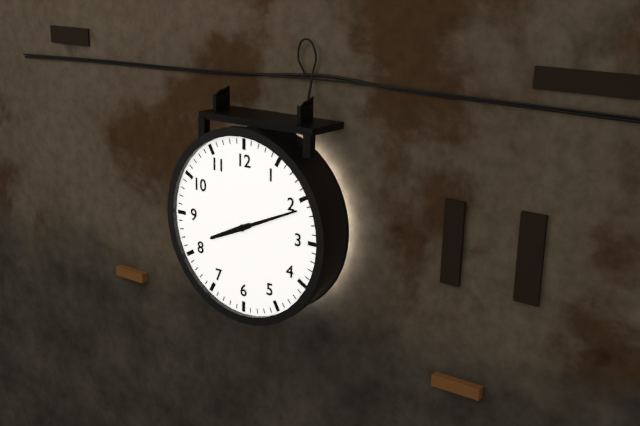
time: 8:11
